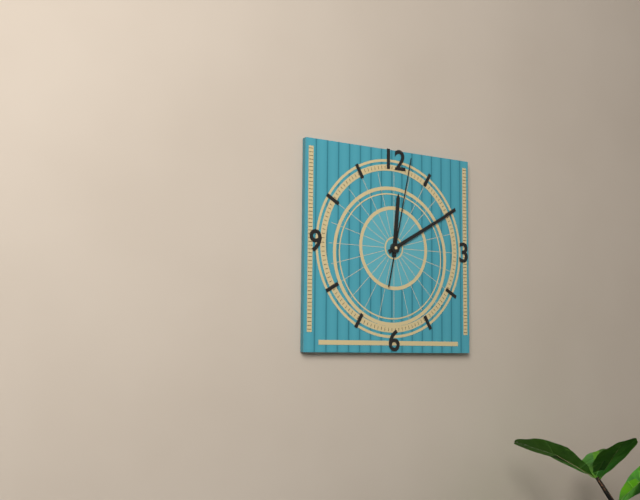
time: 12:10:02
